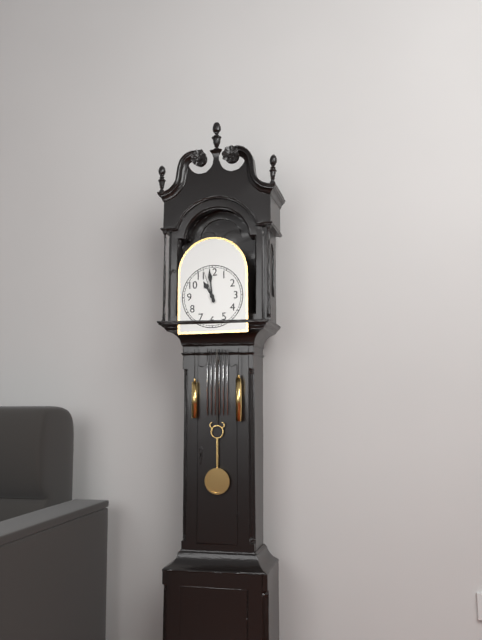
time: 10:59
